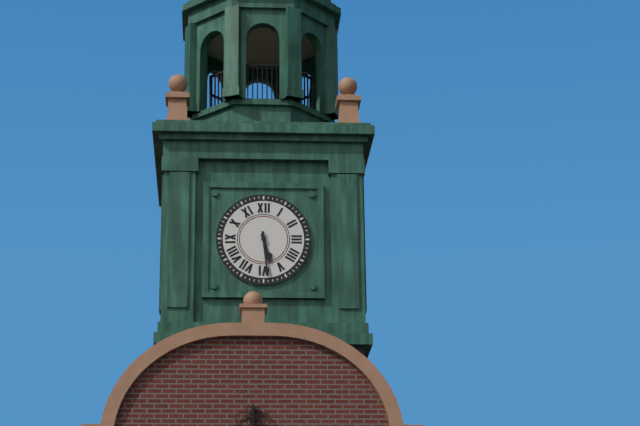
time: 5:29
